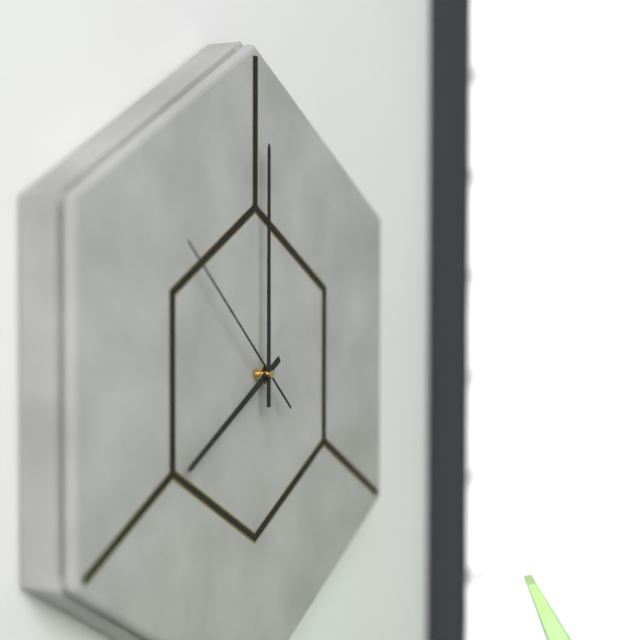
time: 8:00:52
